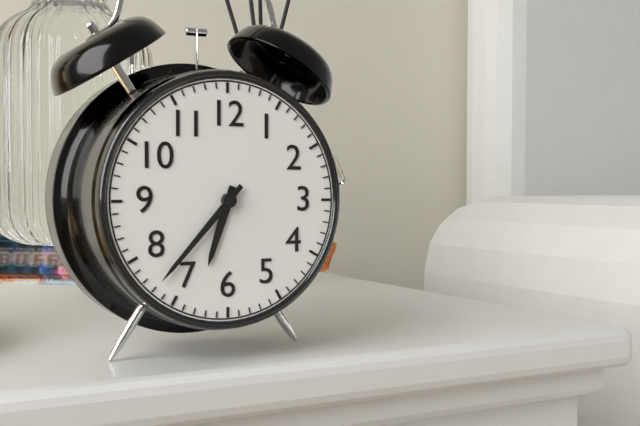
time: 6:37
